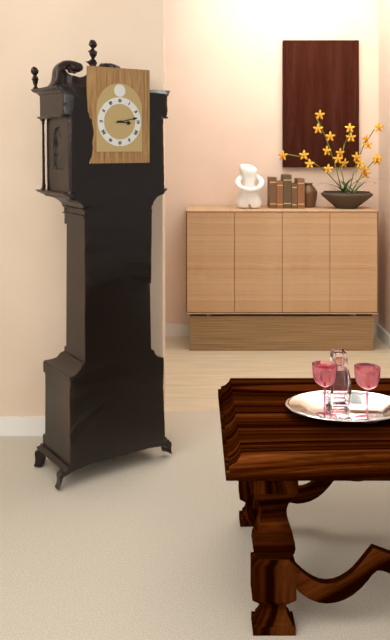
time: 3:13
